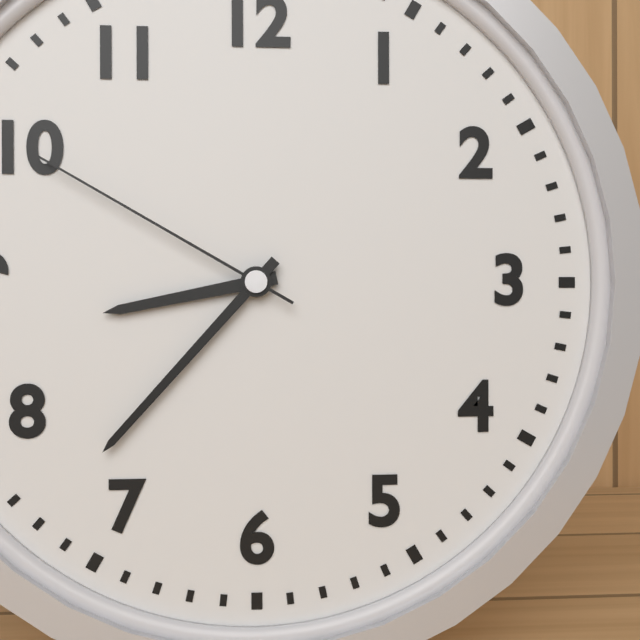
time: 8:37:50
